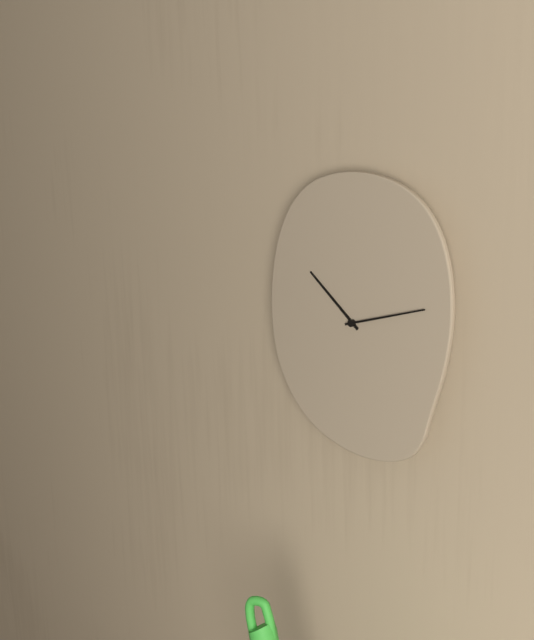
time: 10:12
